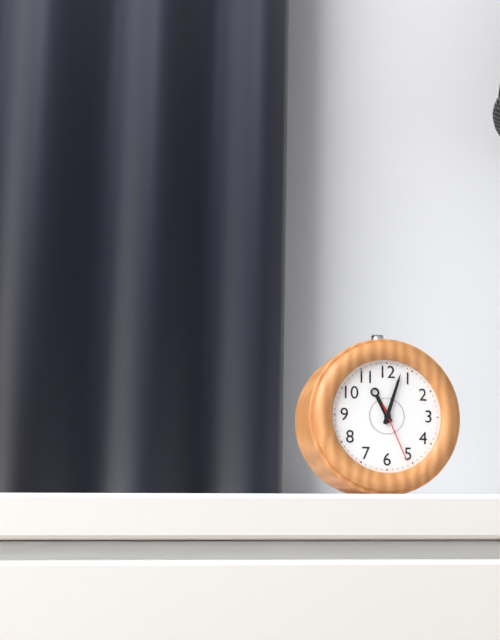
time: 11:03:26
